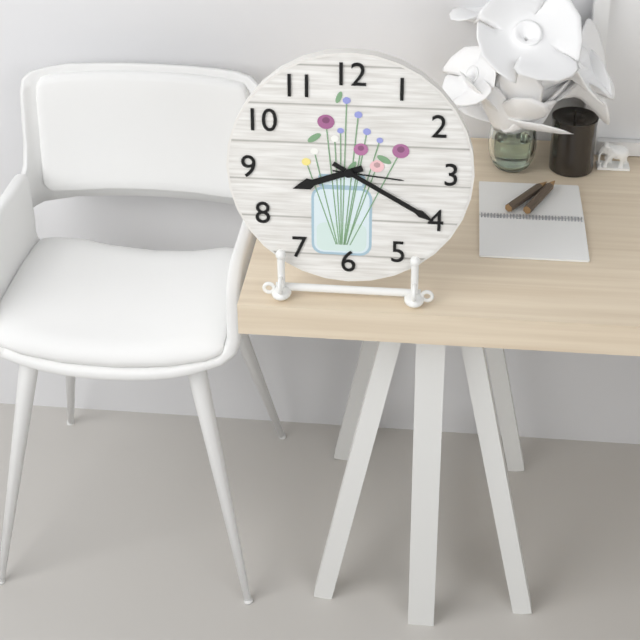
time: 8:20:16
